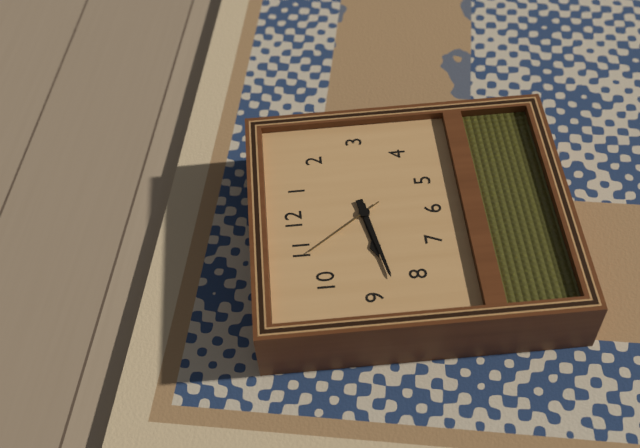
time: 8:43:54
